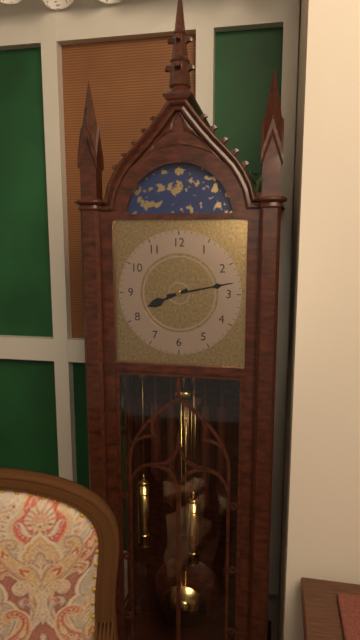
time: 8:13
